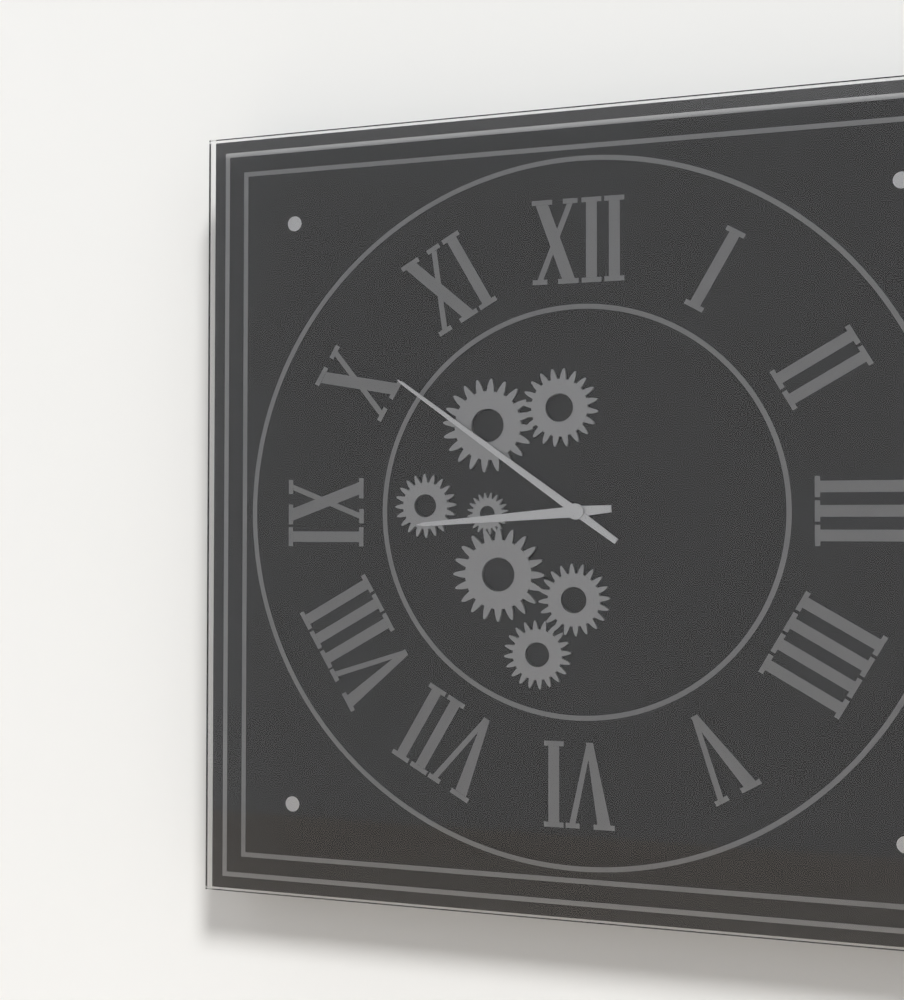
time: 8:51
